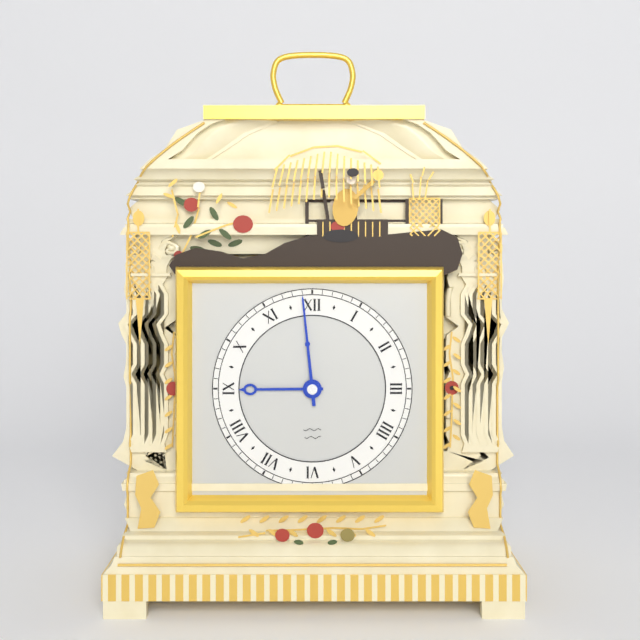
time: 8:59
